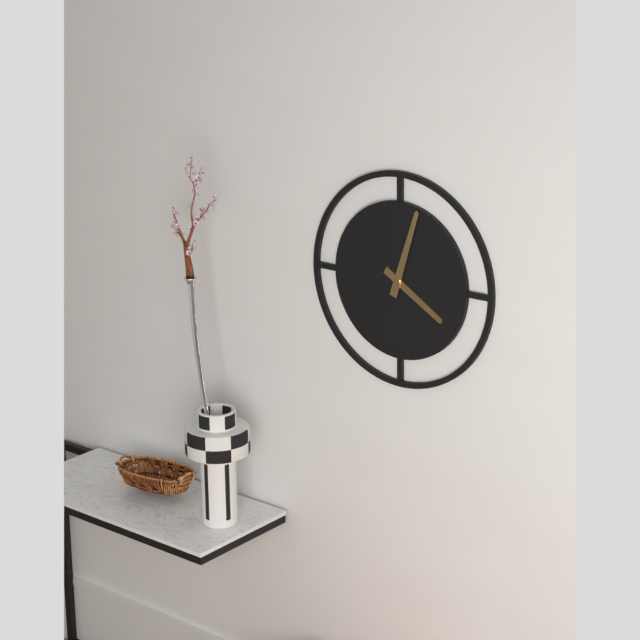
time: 4:03
